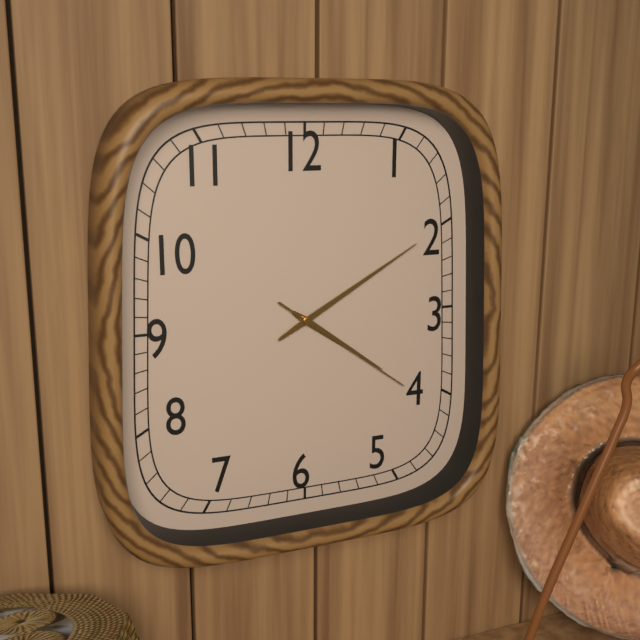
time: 4:10:21
